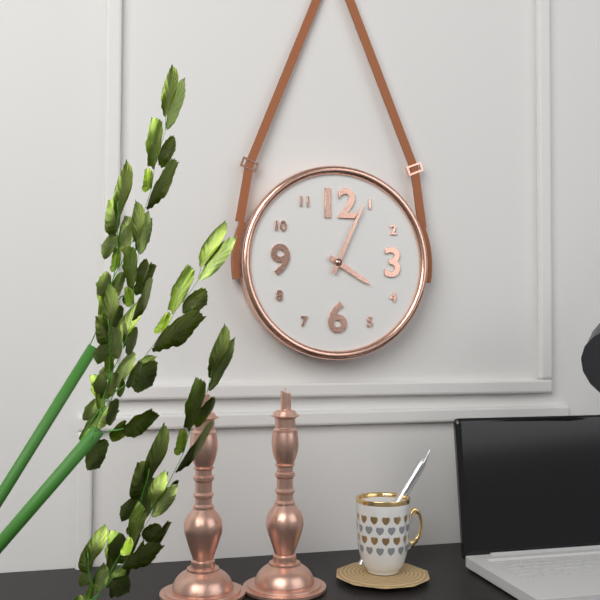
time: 4:04
